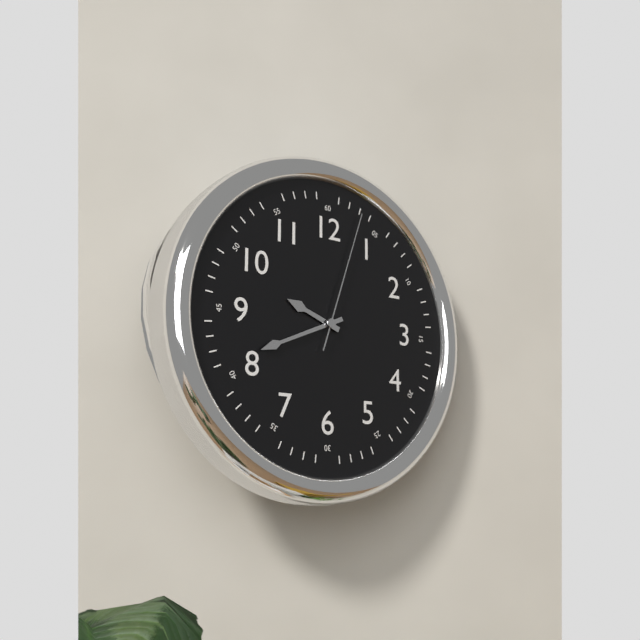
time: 9:41:03
